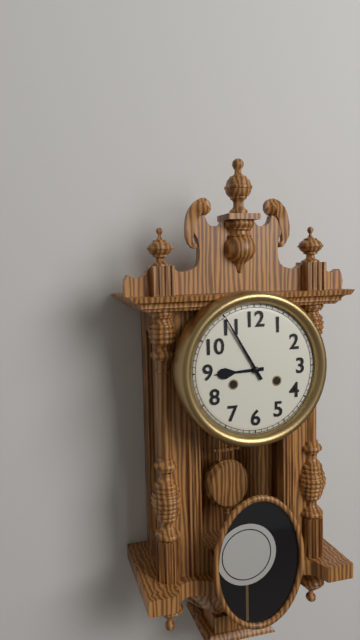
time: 8:55
